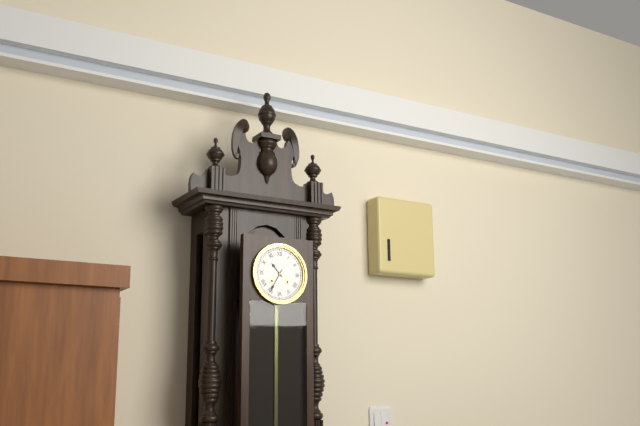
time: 10:35
